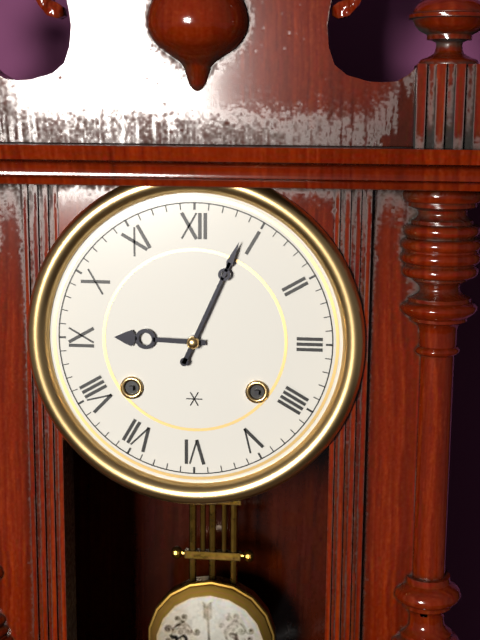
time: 9:04
